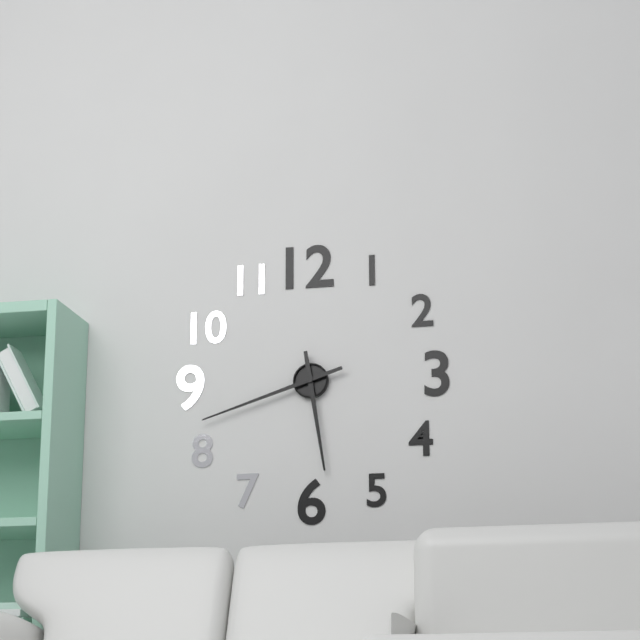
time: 5:42
